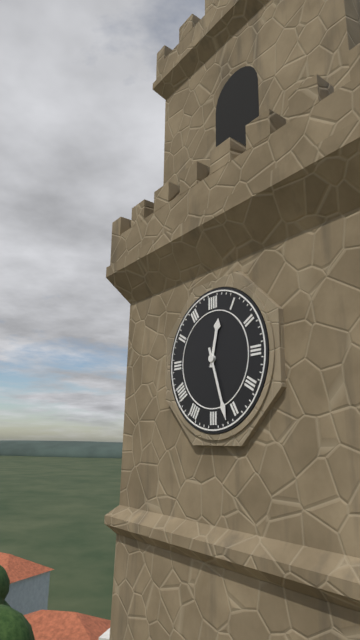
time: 12:27
